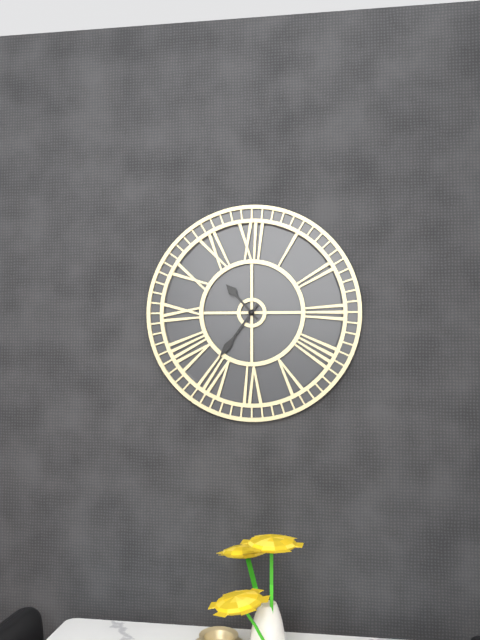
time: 10:36
